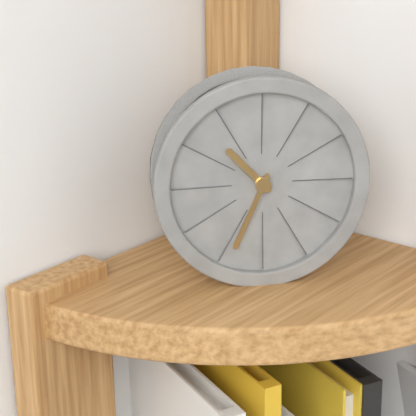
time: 10:34
